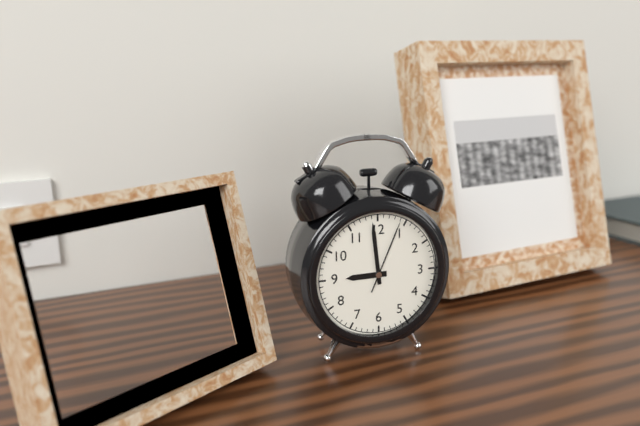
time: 8:59:04
